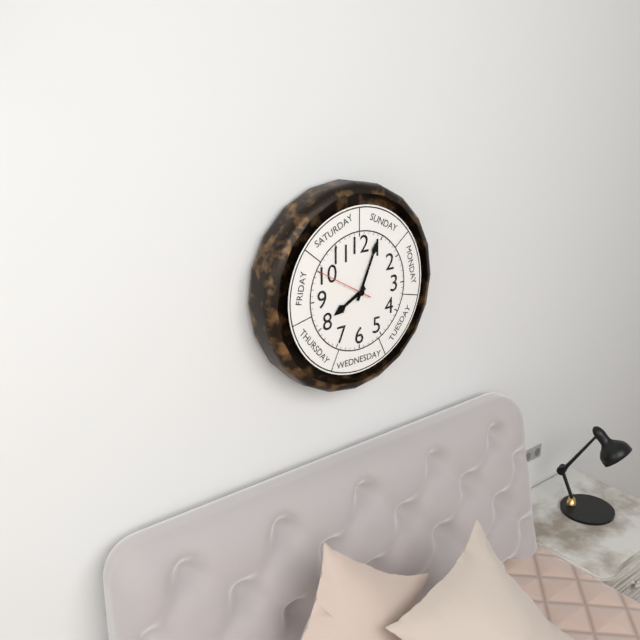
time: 8:04:50
